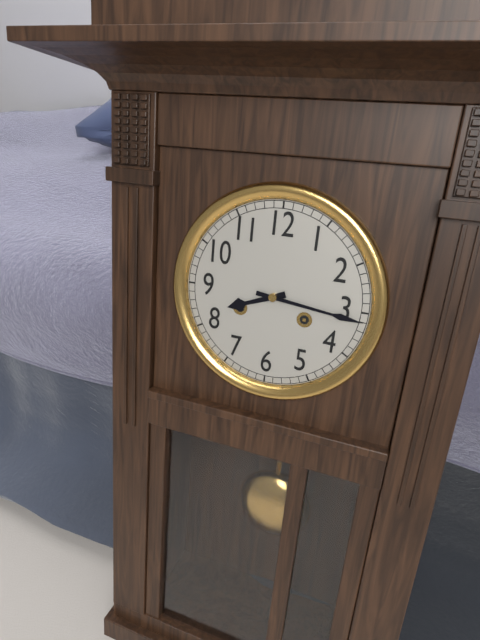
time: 8:16
